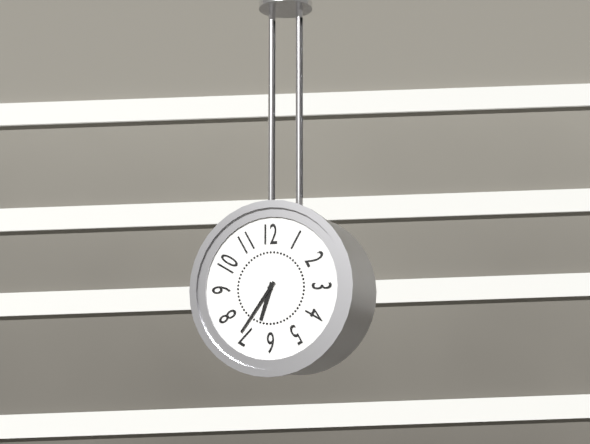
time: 6:36
